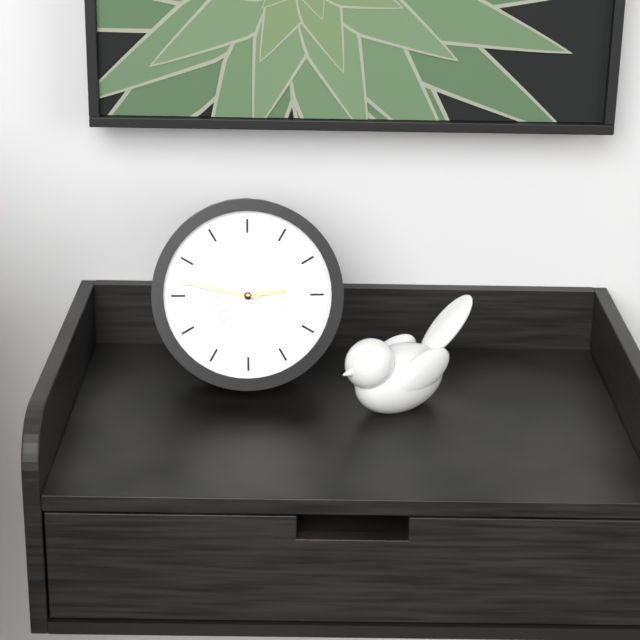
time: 2:47
